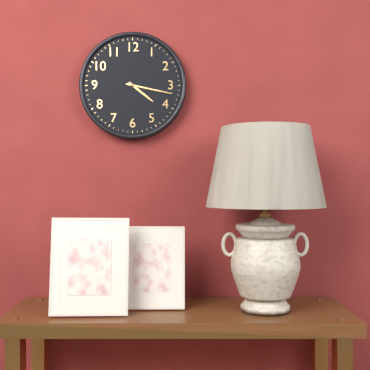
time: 4:17
